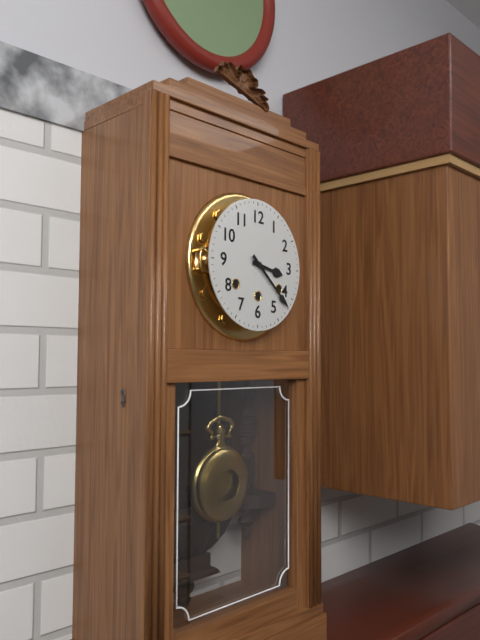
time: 3:22
